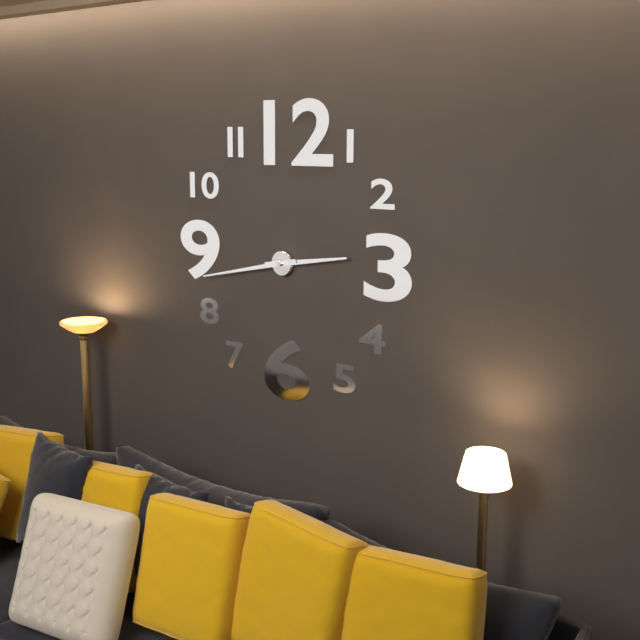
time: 2:43
